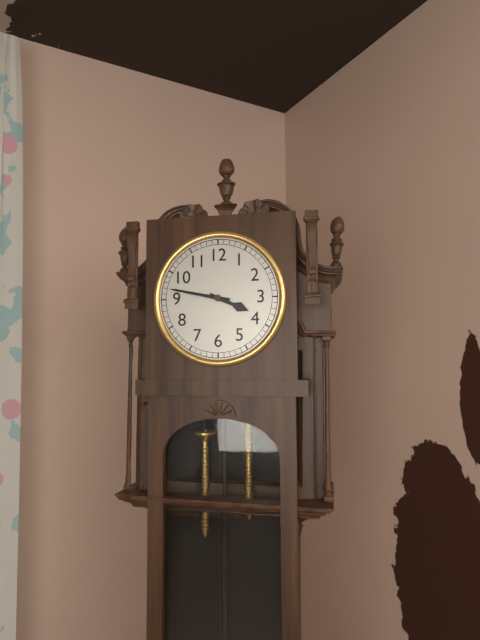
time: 3:47
